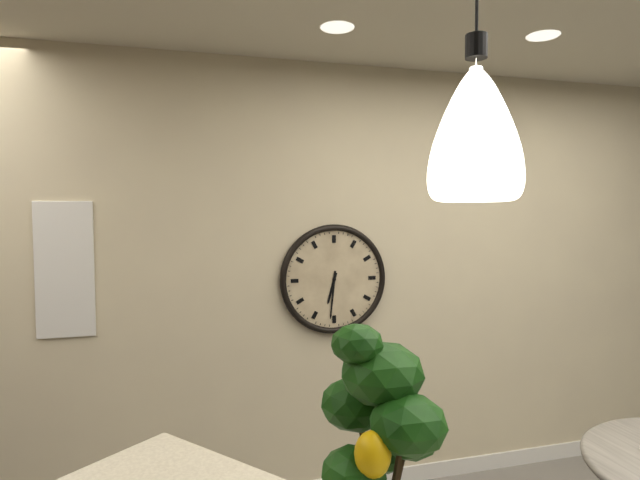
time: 6:31
